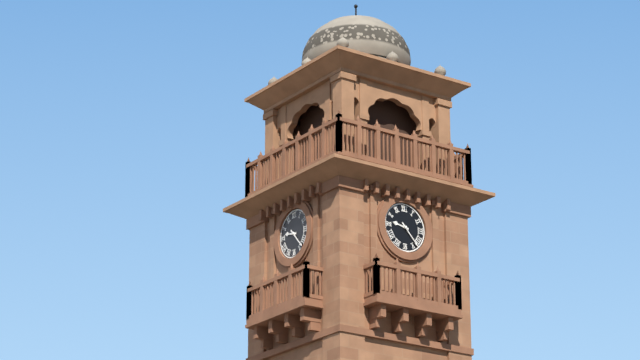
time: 9:23
